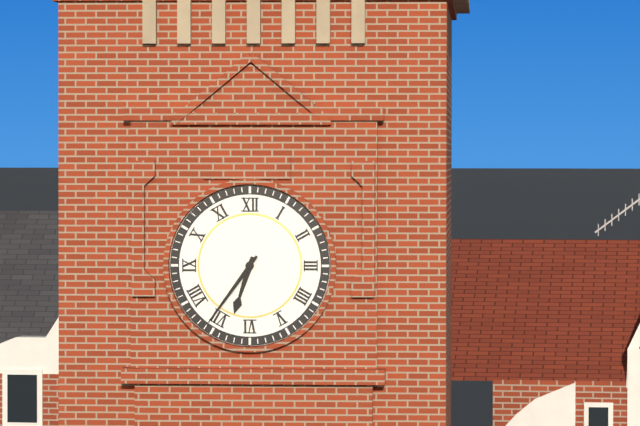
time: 6:36
